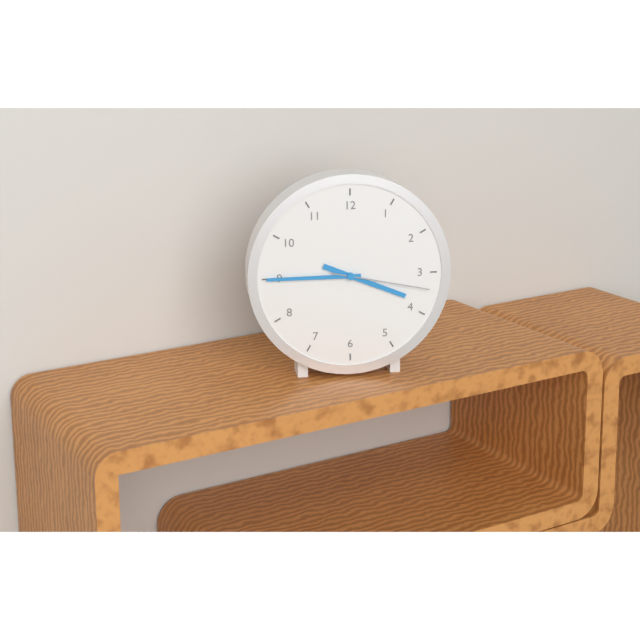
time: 3:45:17
